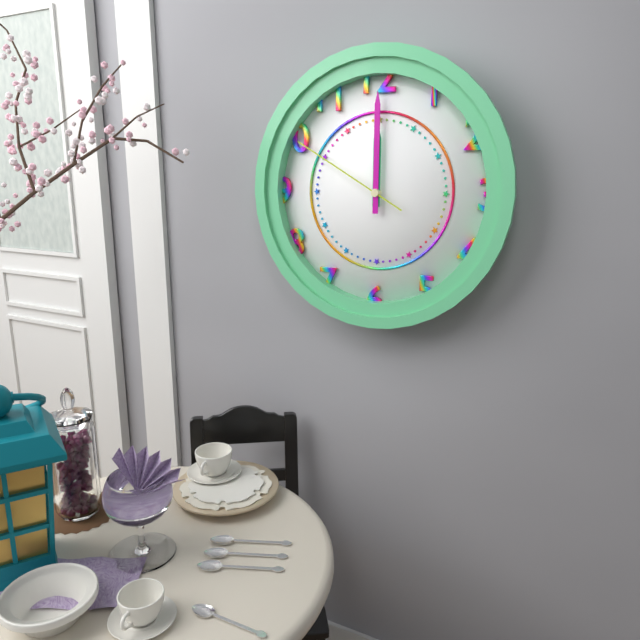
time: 12:00:50
